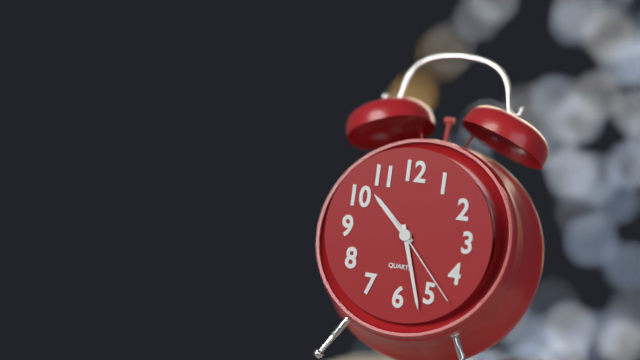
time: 10:27:23
